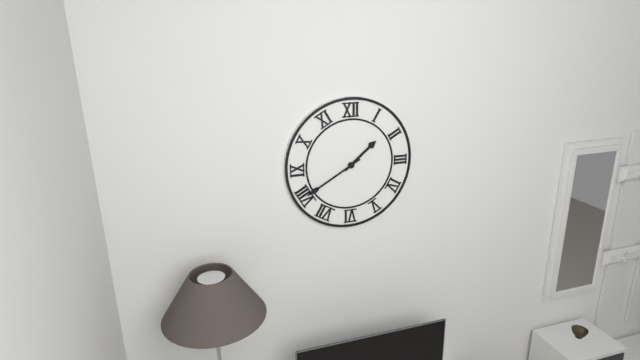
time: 1:40
